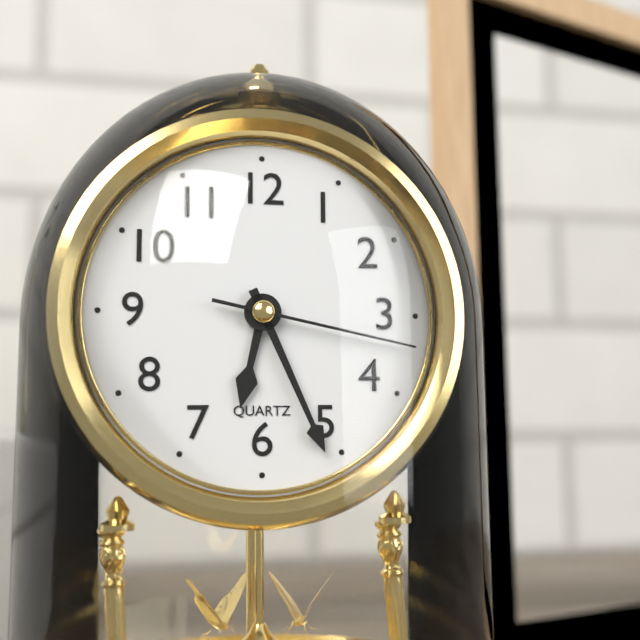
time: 6:26:17
